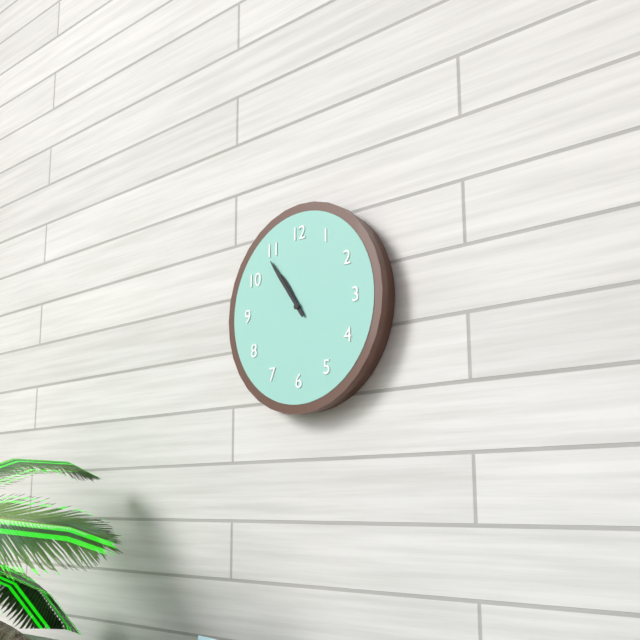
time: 10:54
